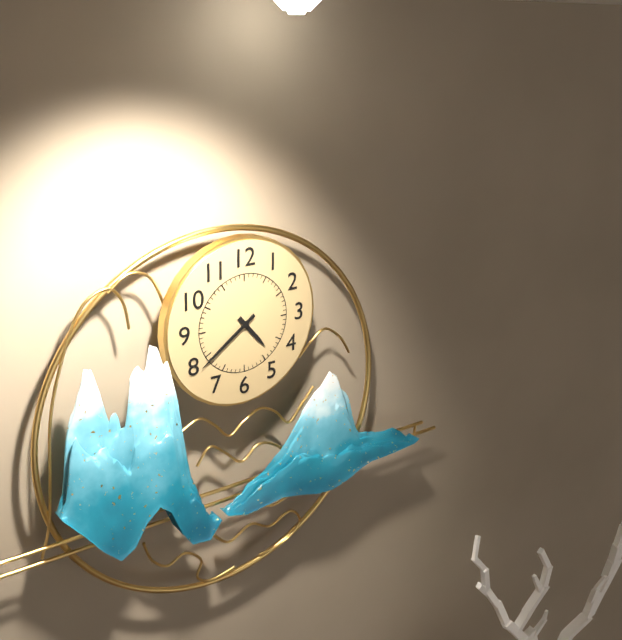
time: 4:39
